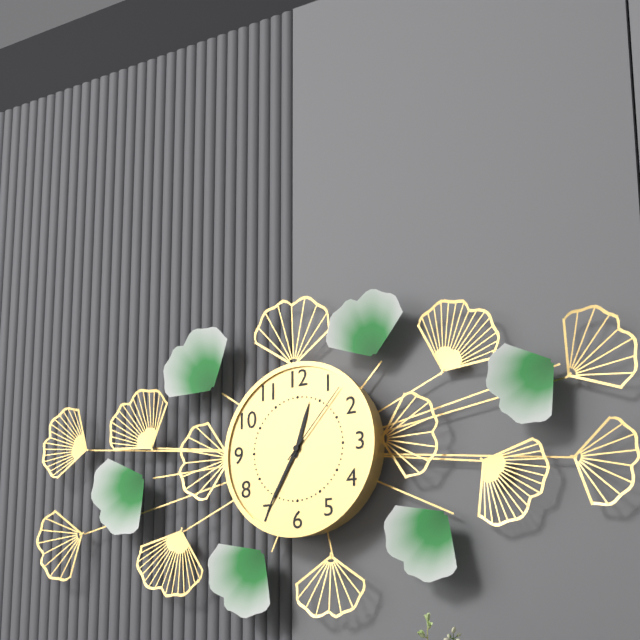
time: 12:35:07
